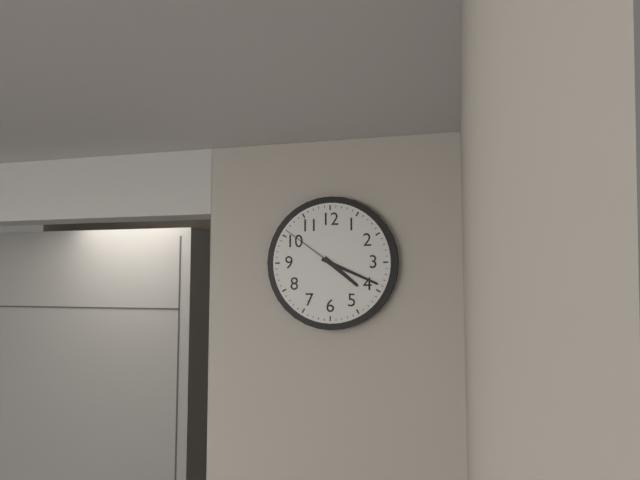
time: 4:19:51
